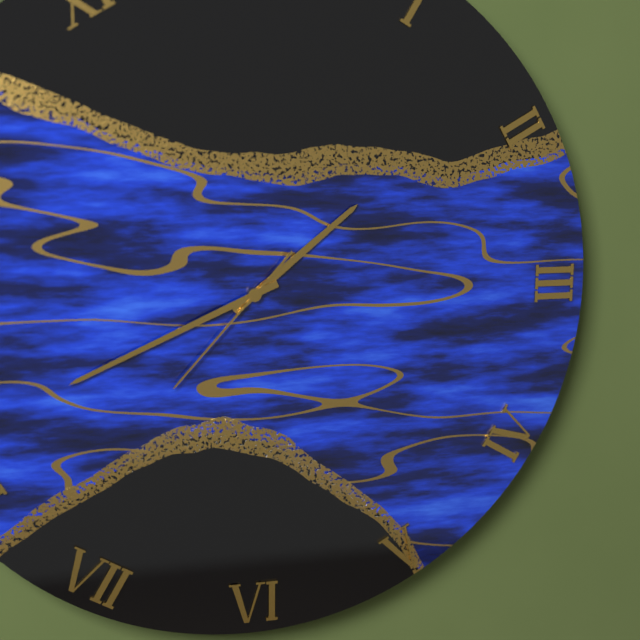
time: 1:41:37
